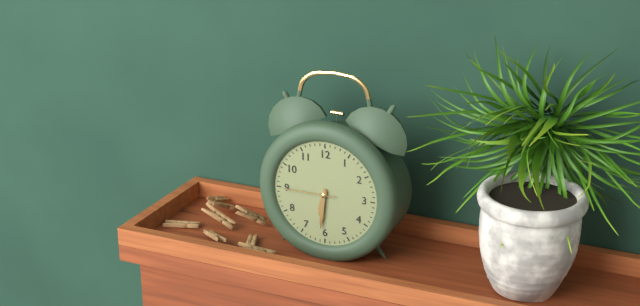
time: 6:31:45
